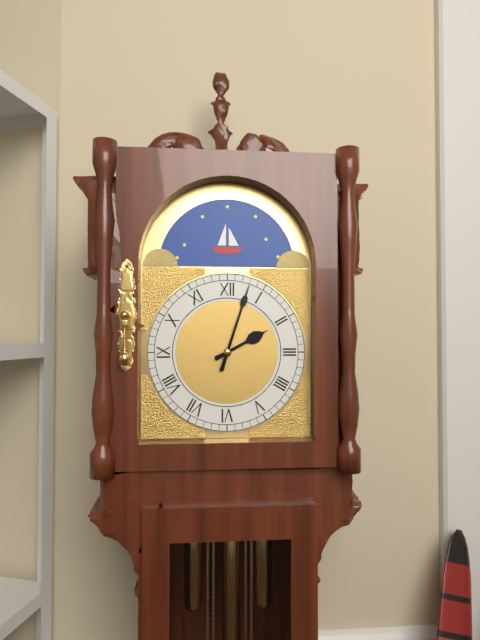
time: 2:03
